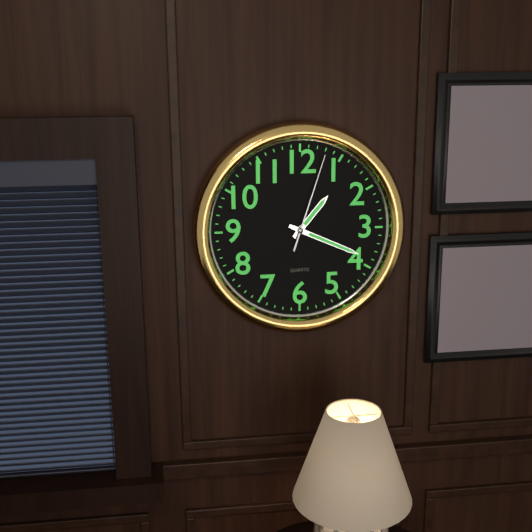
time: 1:19:03
